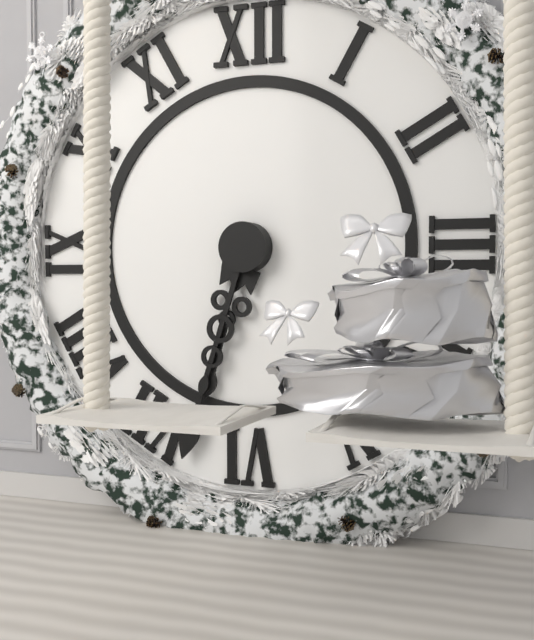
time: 6:33
